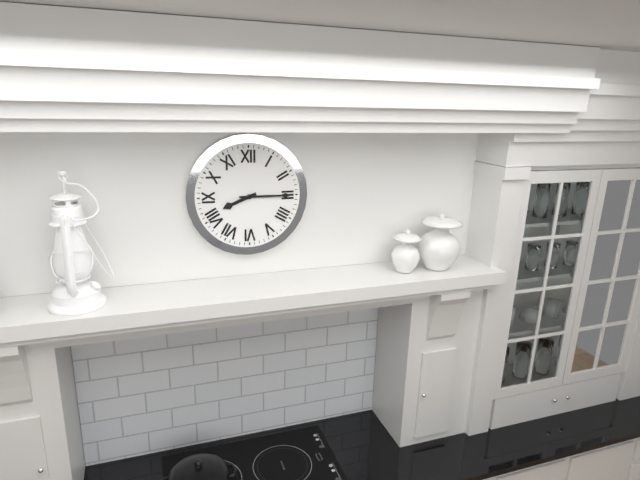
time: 8:15
